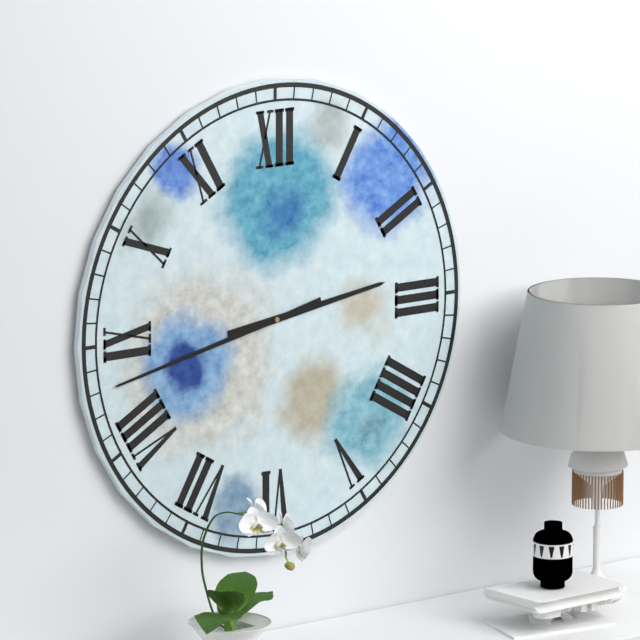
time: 2:43
